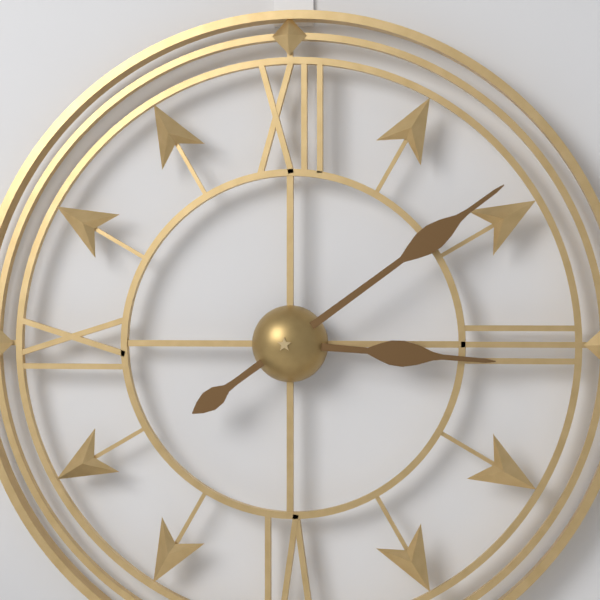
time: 3:09
